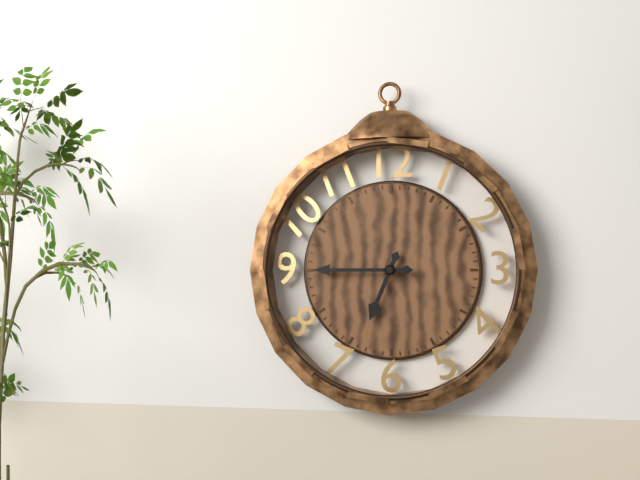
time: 6:45
